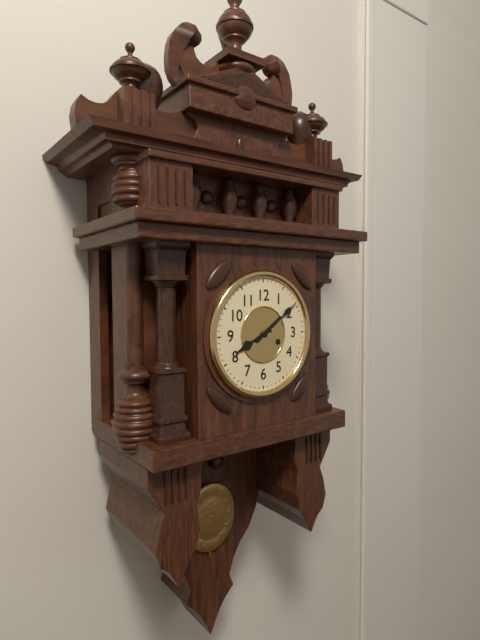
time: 8:09
